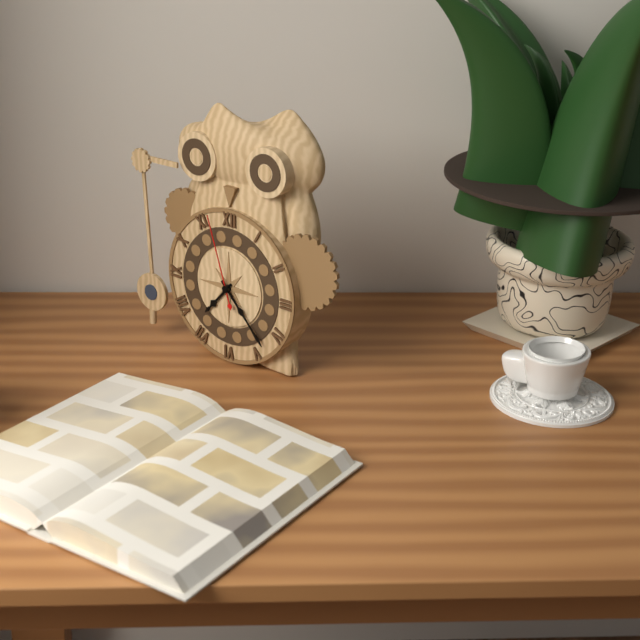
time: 7:23:57
